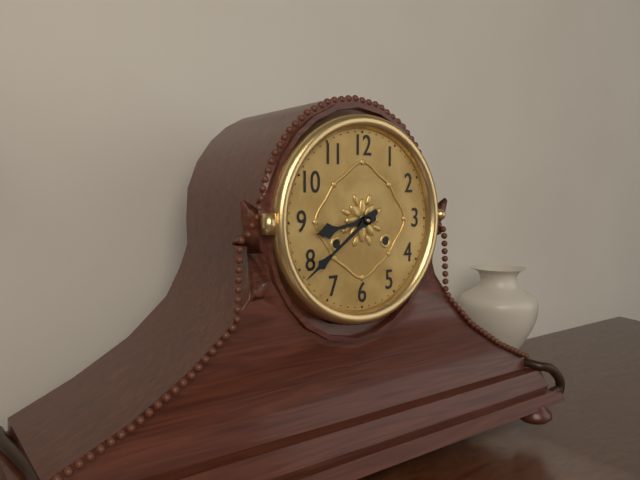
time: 8:39
